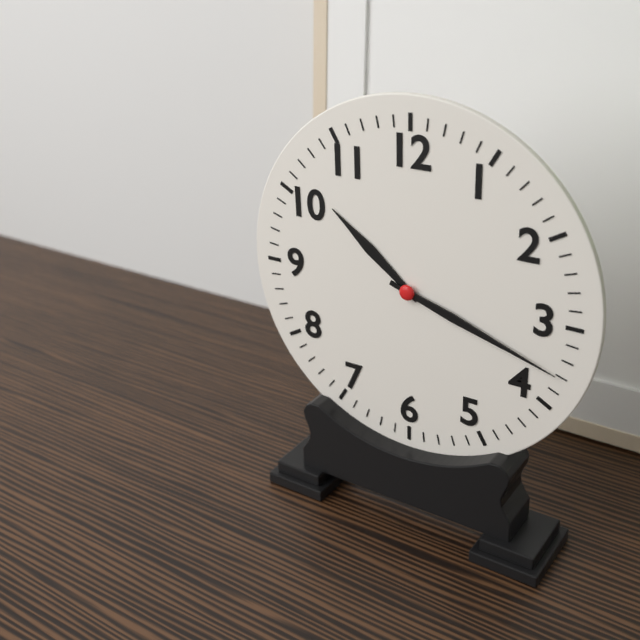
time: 10:18
